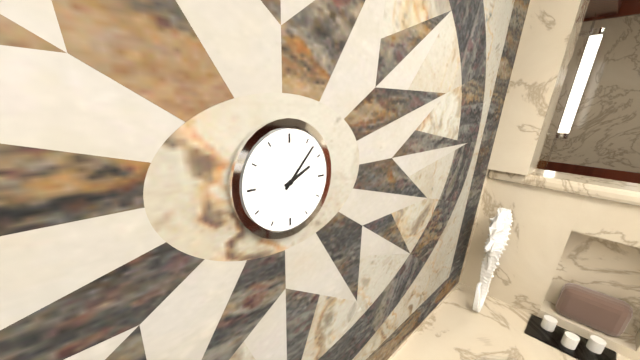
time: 2:07
